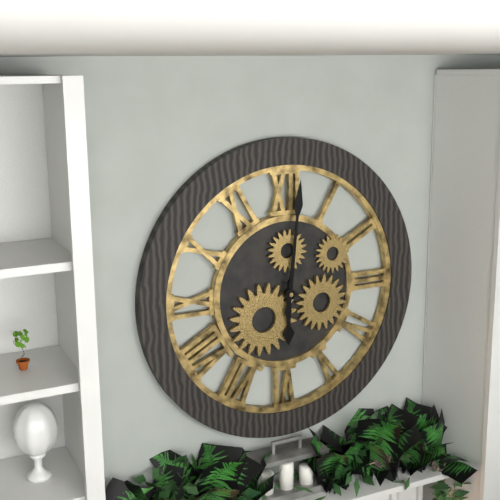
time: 6:01
